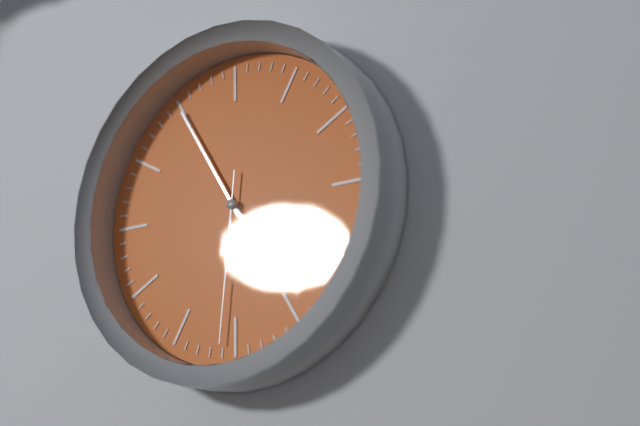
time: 4:55:31
